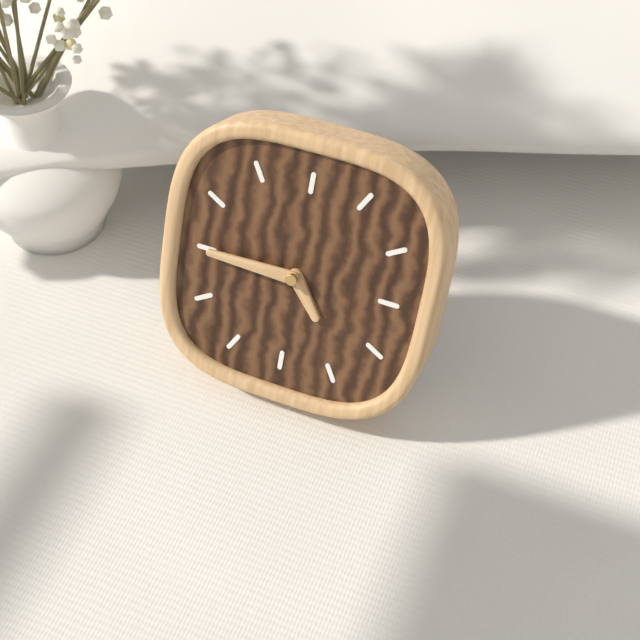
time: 4:45
